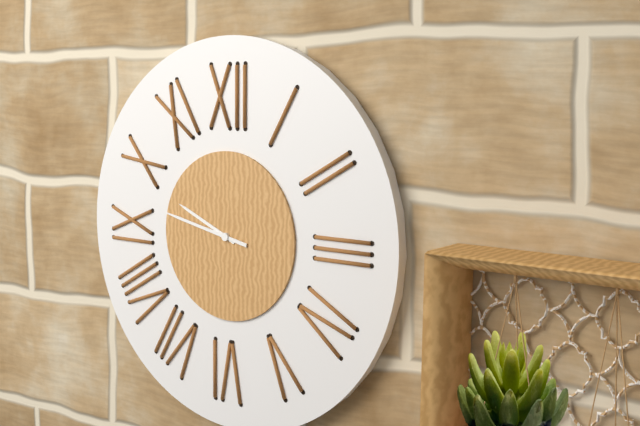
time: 9:47
